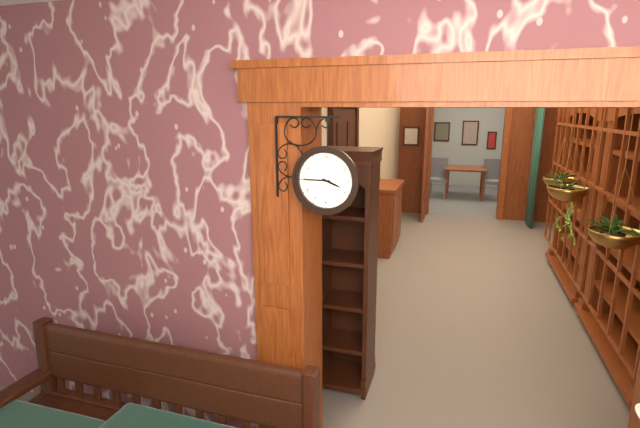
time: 3:45
